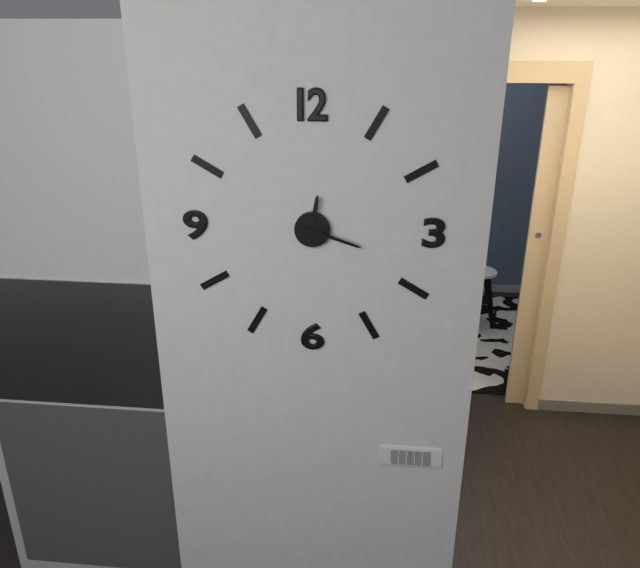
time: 12:18:18
